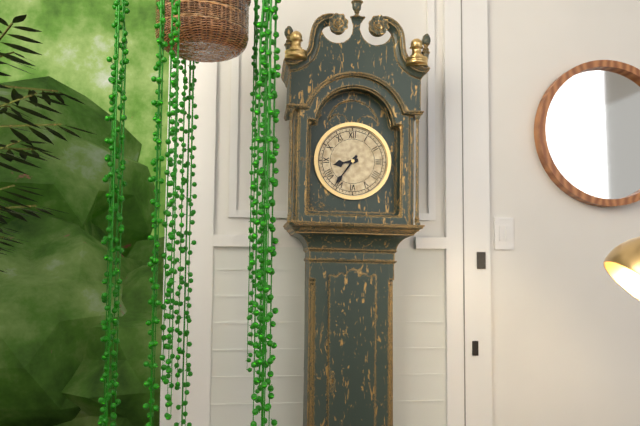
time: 8:36
